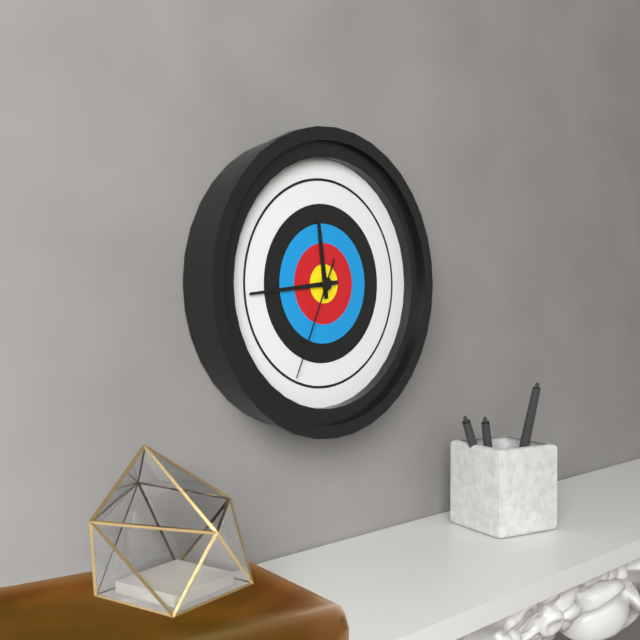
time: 11:44:34
